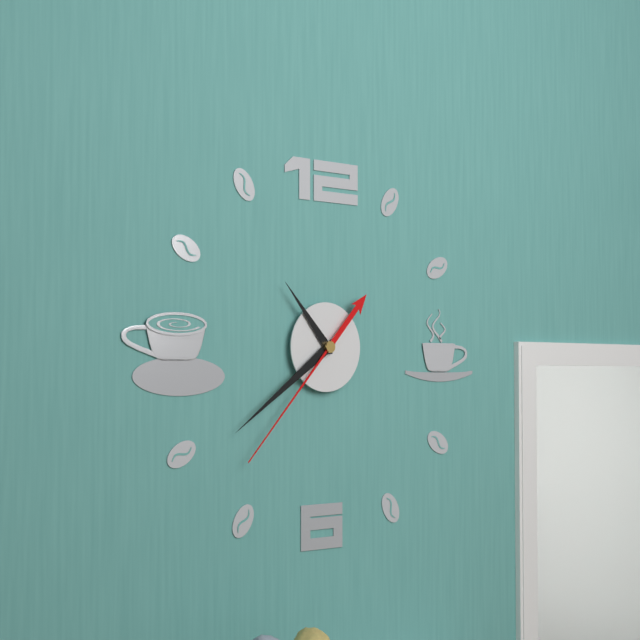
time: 10:39:37
